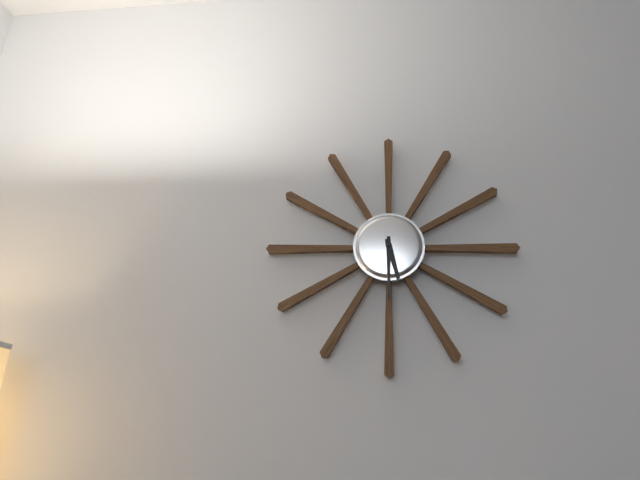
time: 5:30
